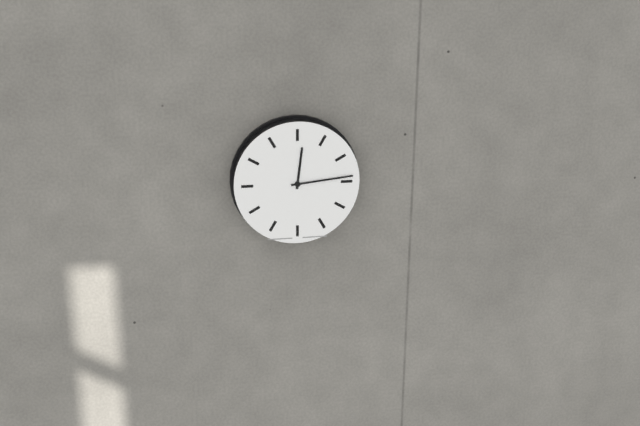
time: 12:14
